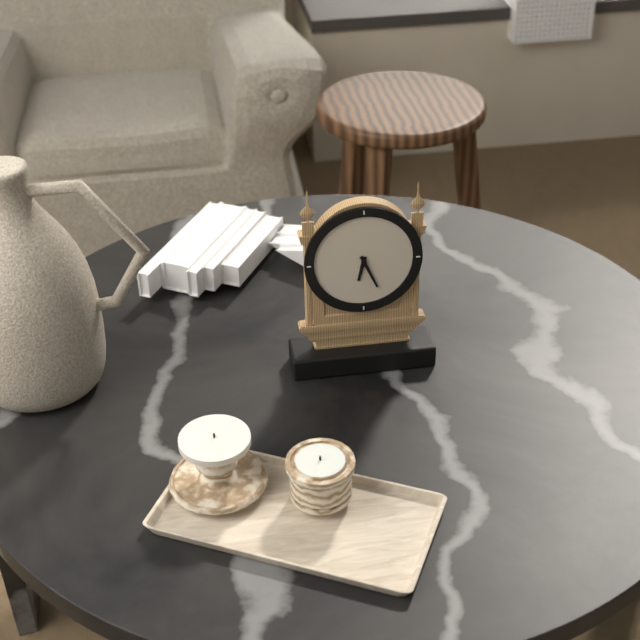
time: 6:26
